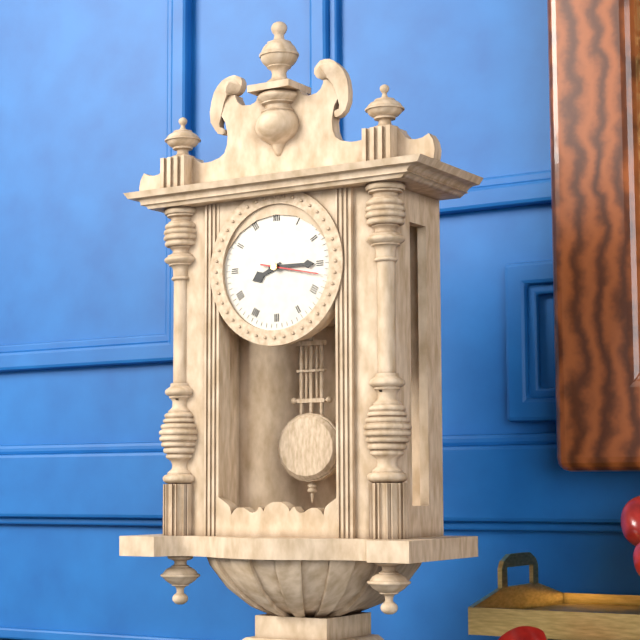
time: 8:15:17
